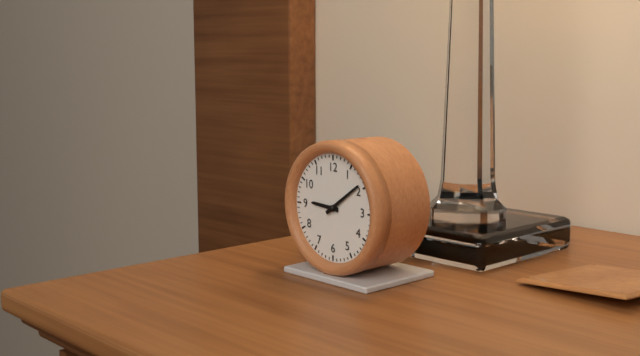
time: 9:09
